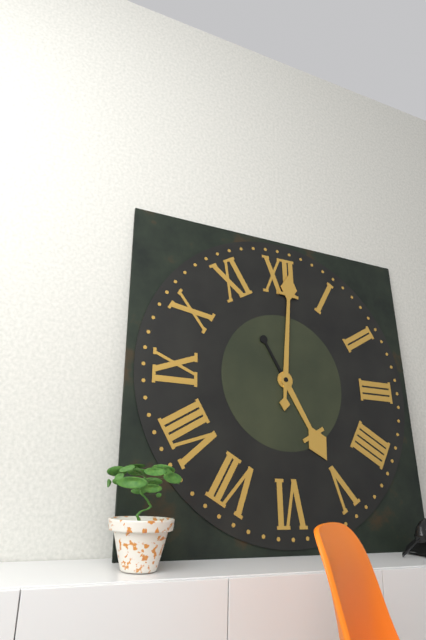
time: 5:01
